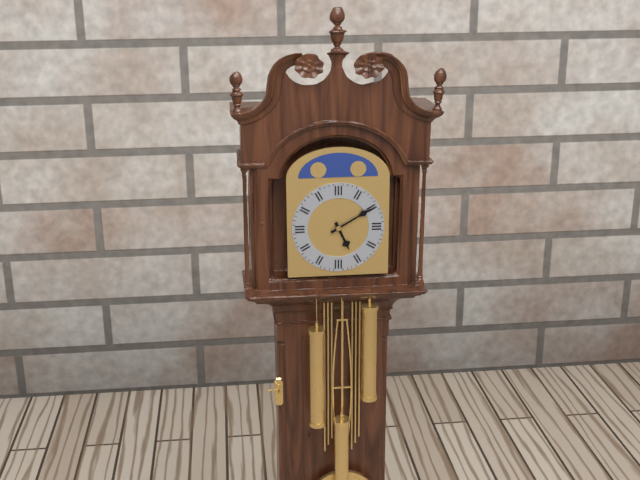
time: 5:10
